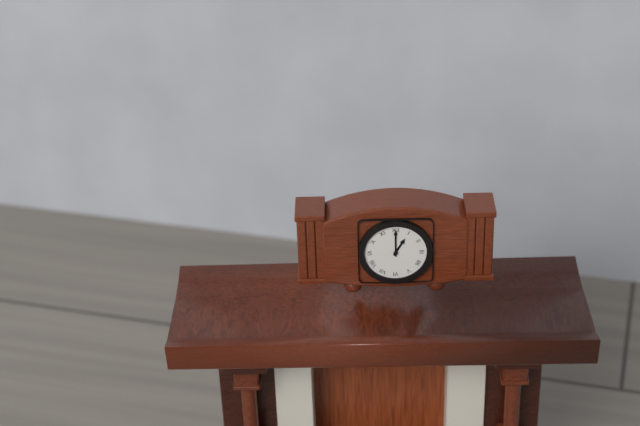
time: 1:00
